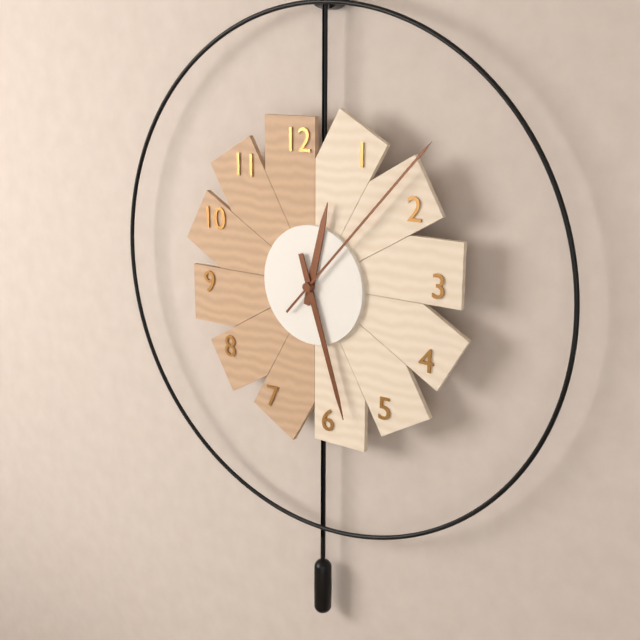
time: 12:27:07
